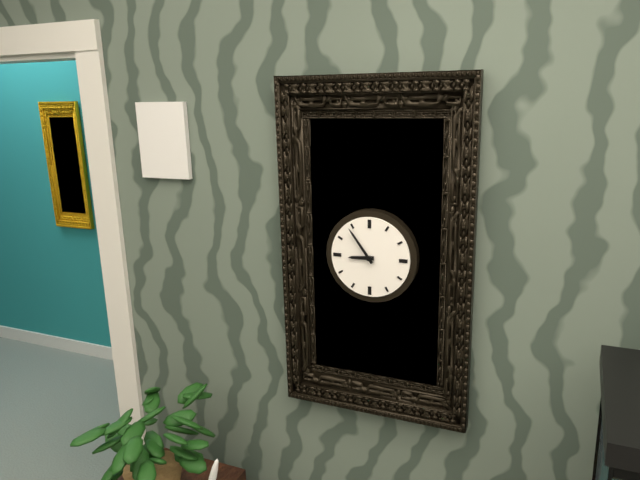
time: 8:54
